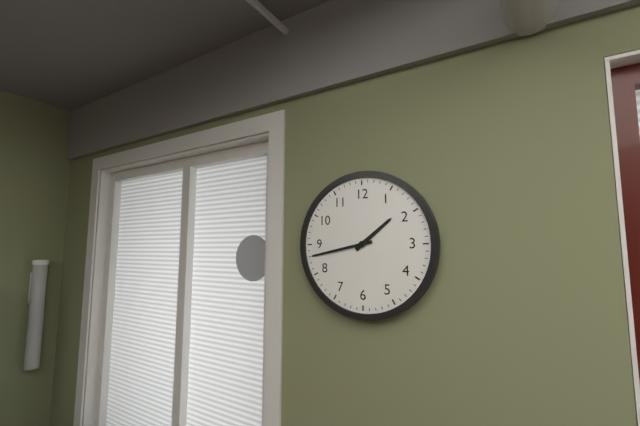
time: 1:43
